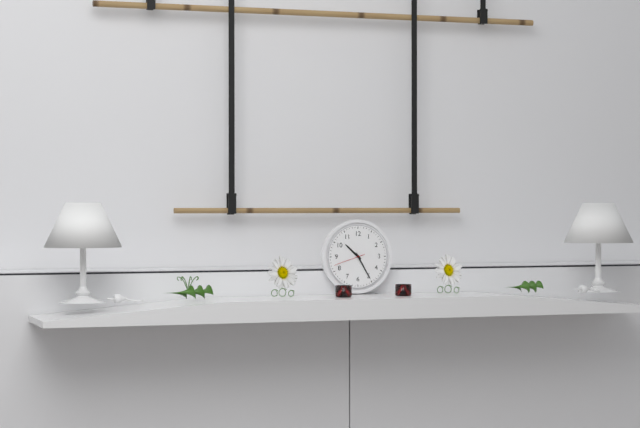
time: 10:25
